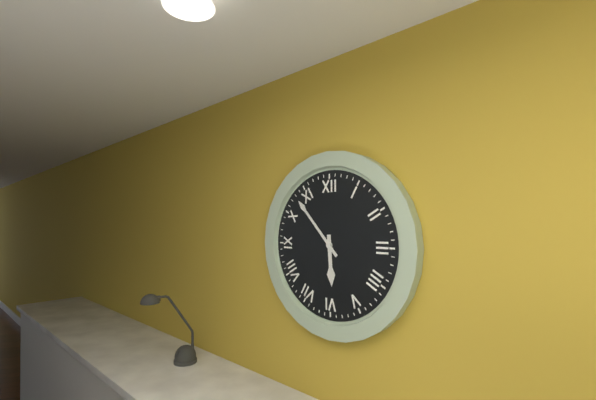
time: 5:53
